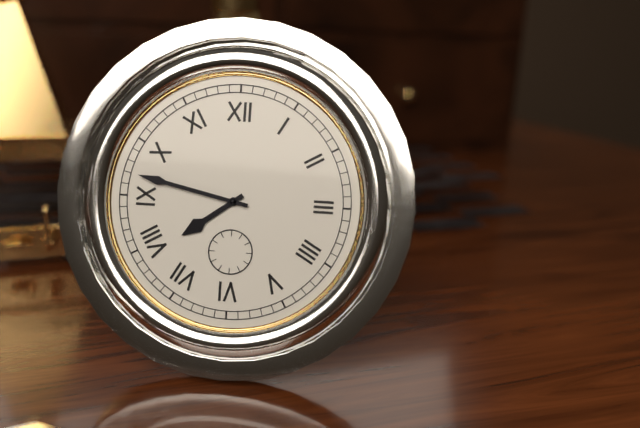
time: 7:47
